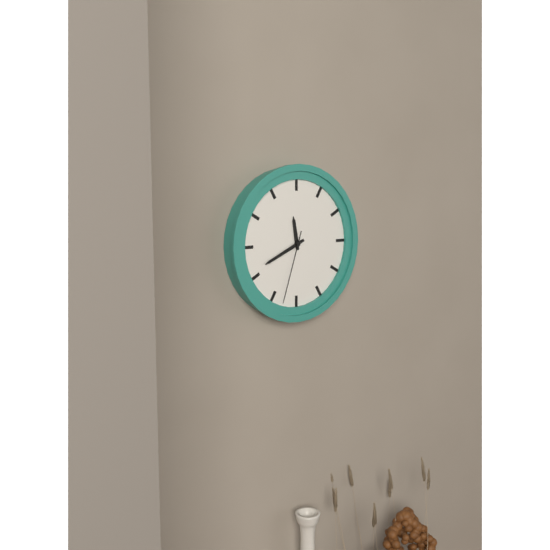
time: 11:41:33
